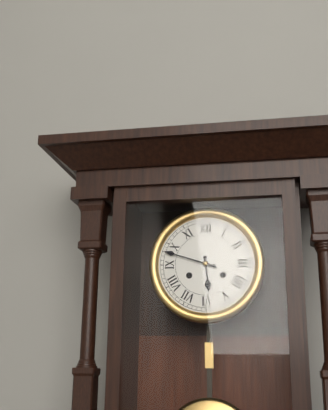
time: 5:48
